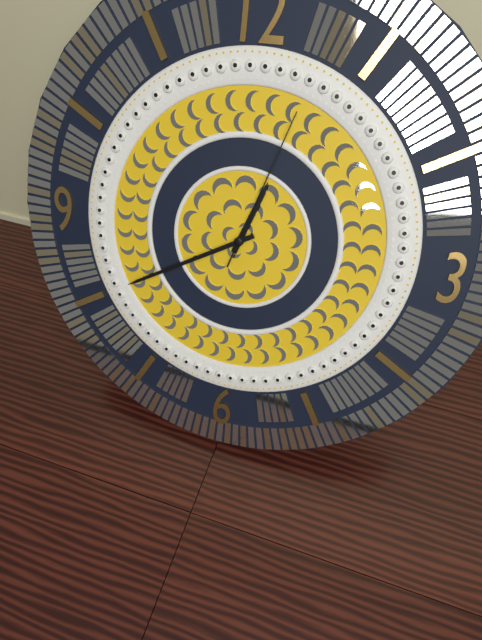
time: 12:40:03
